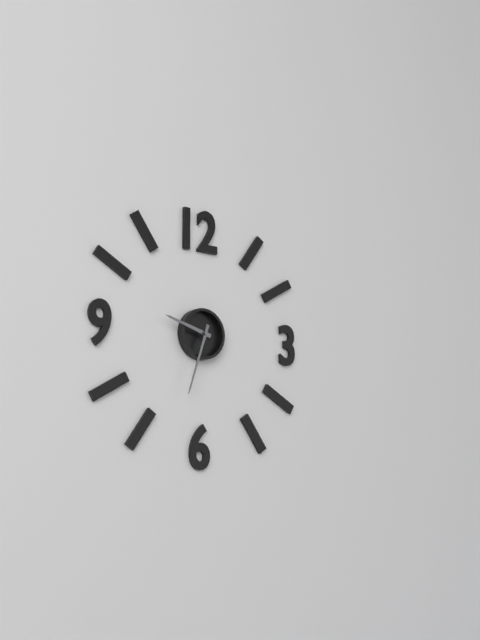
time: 9:33
